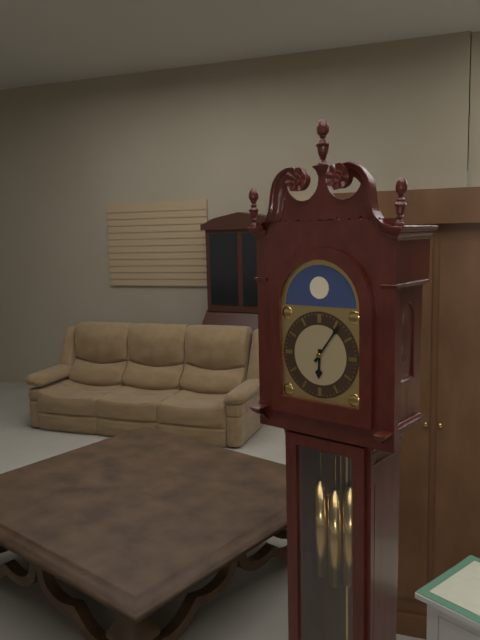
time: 6:06
